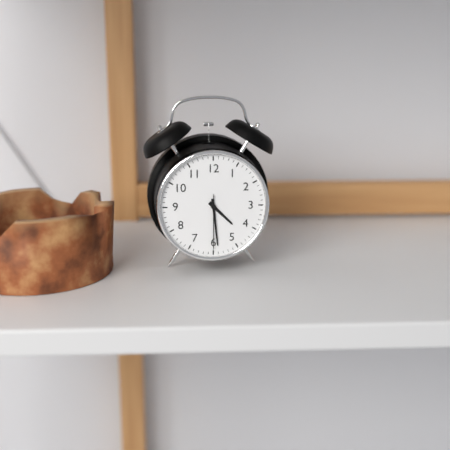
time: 4:29:30
